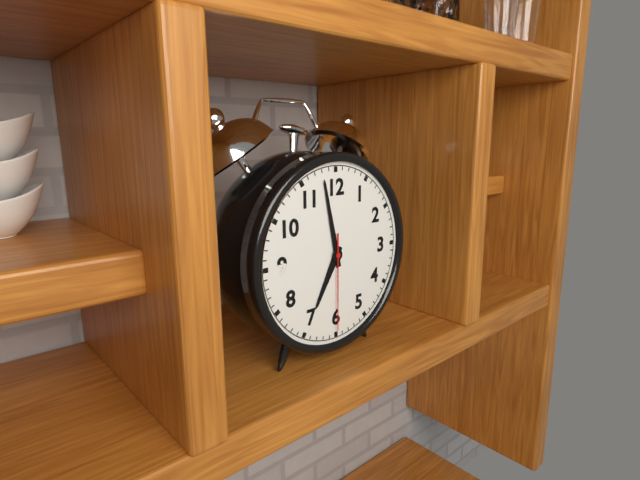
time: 6:58:30
